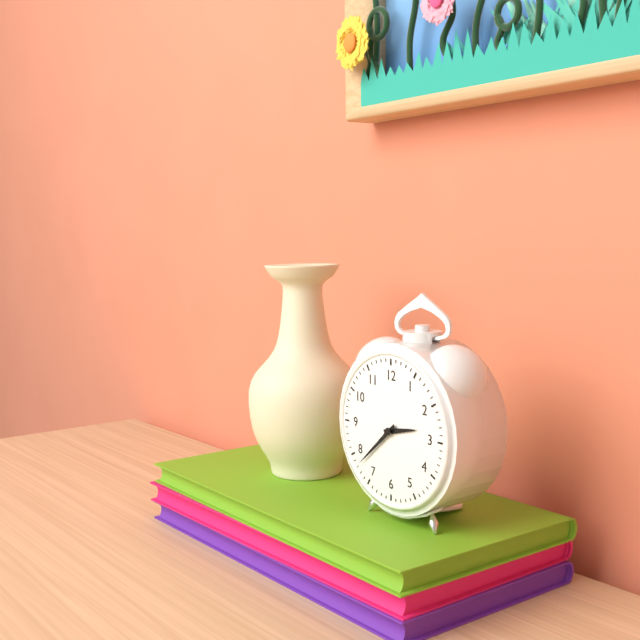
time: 2:38
